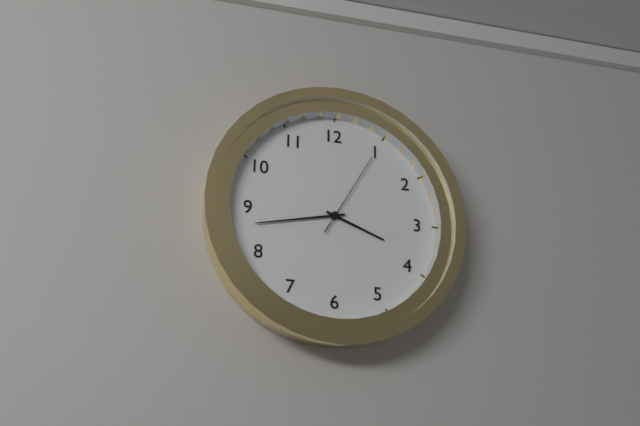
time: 3:43:05
